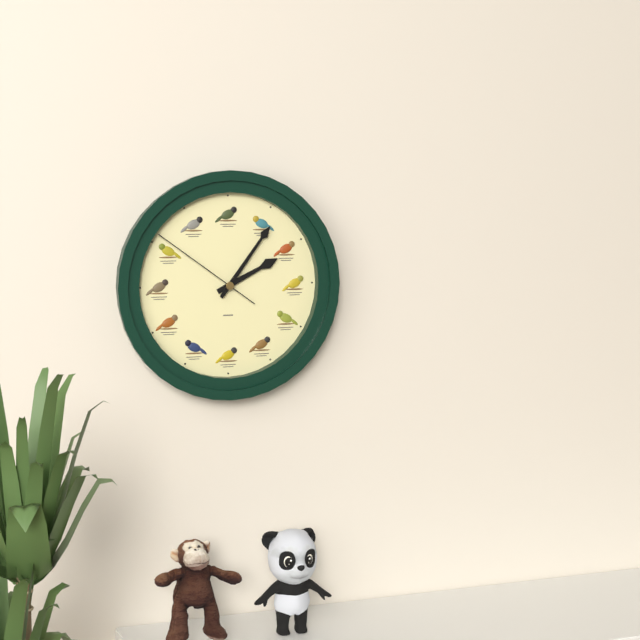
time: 2:06:51
